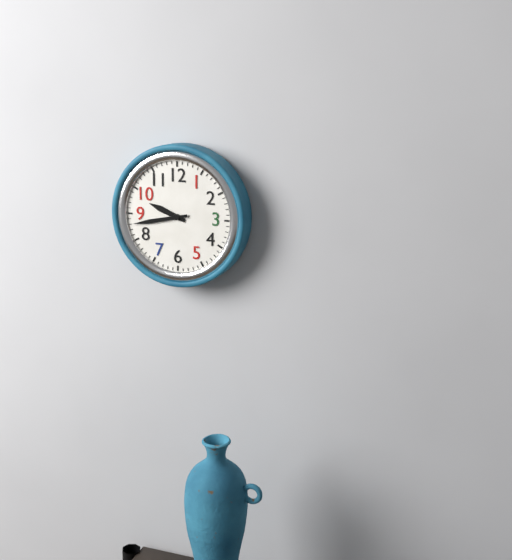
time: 9:43
